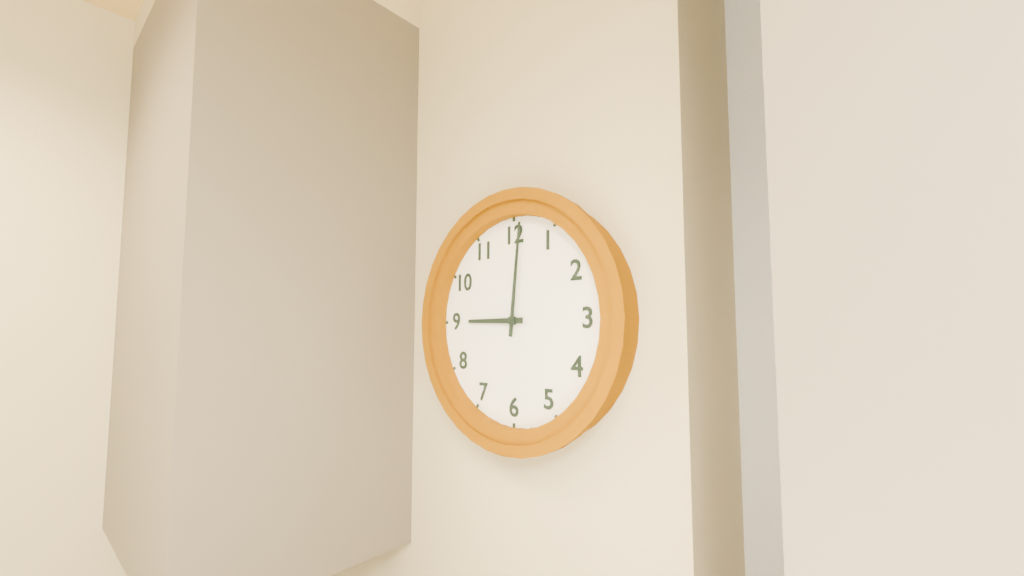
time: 9:01
